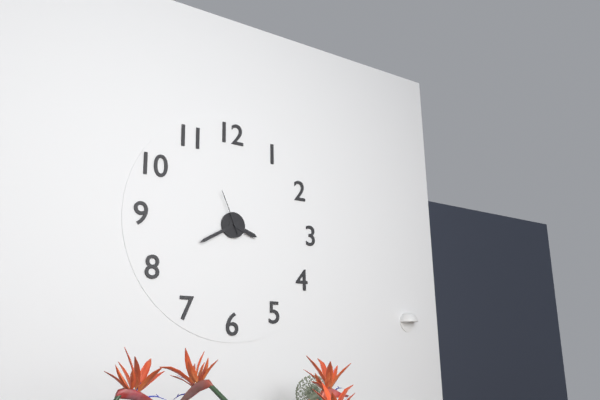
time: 3:40
